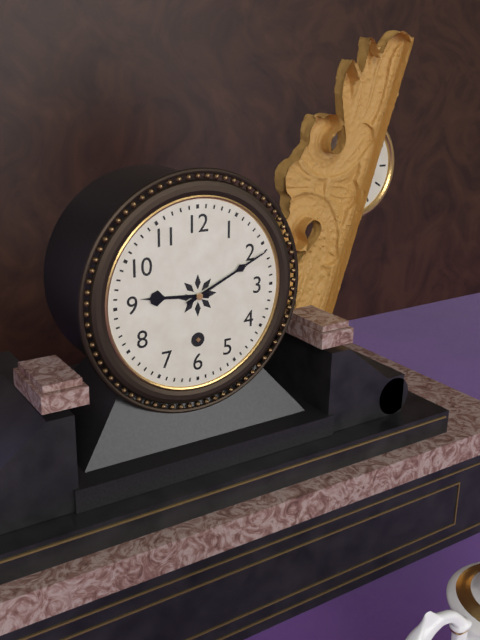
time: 9:11
